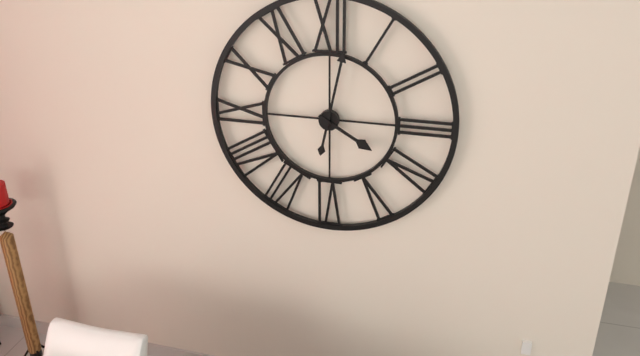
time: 4:02
